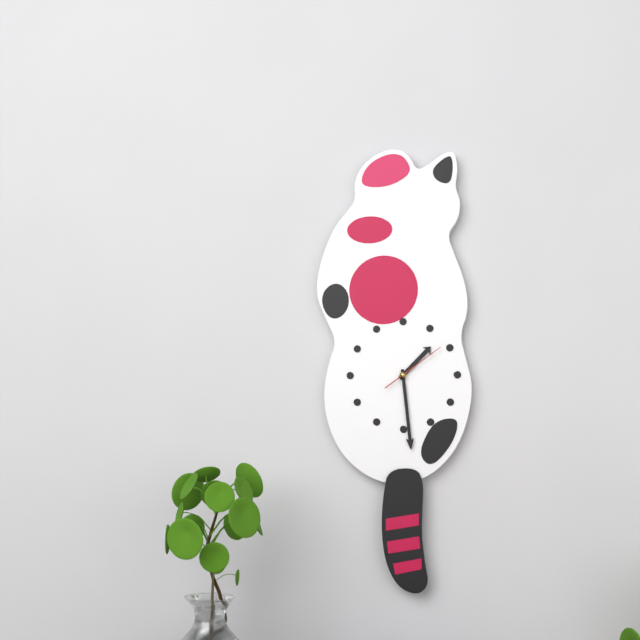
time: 1:29:09
